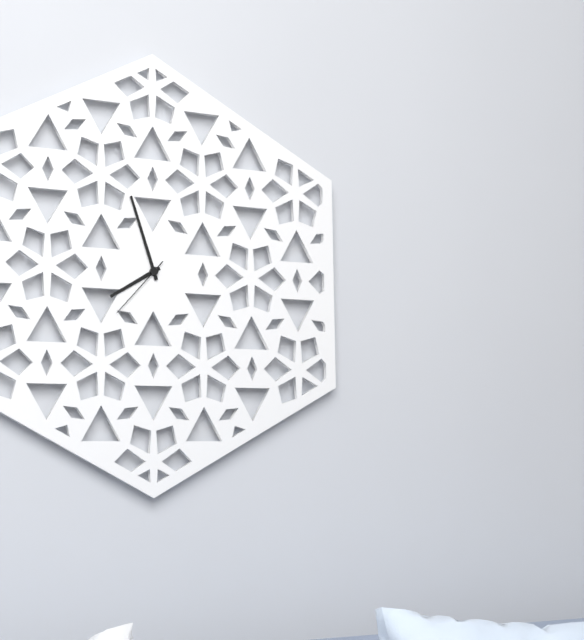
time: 7:57:37
